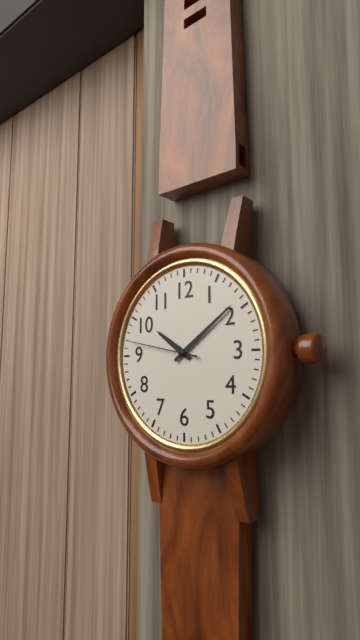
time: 10:09:47
